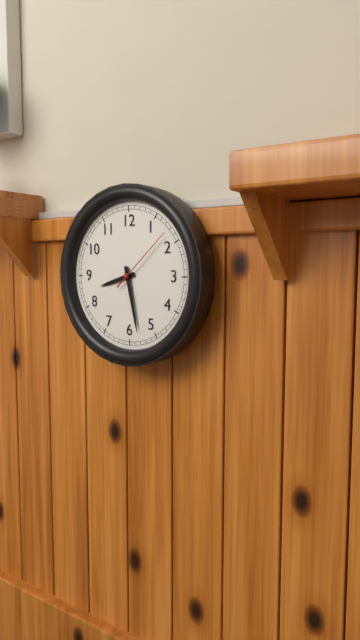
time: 8:28:08
